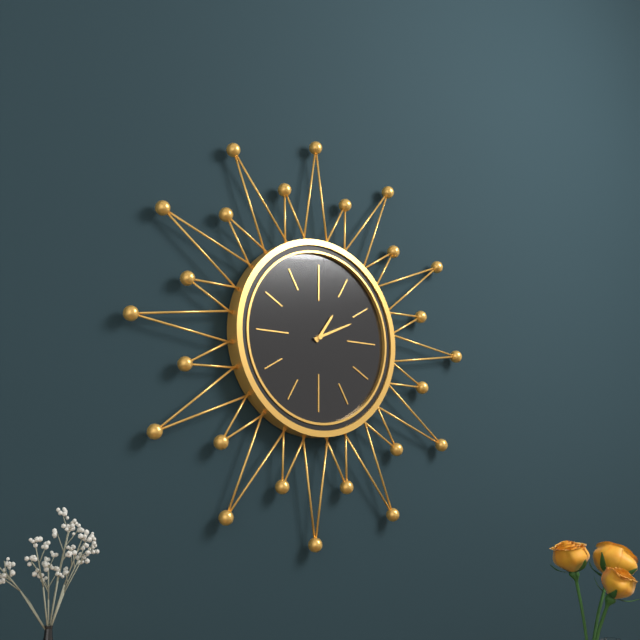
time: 1:11
